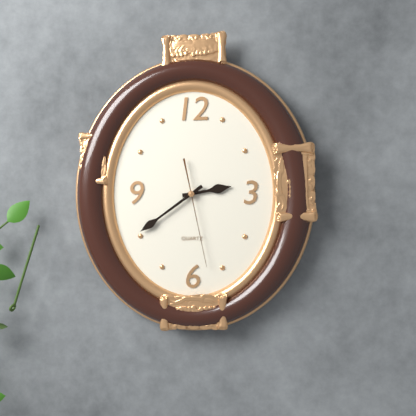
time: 2:39:28
